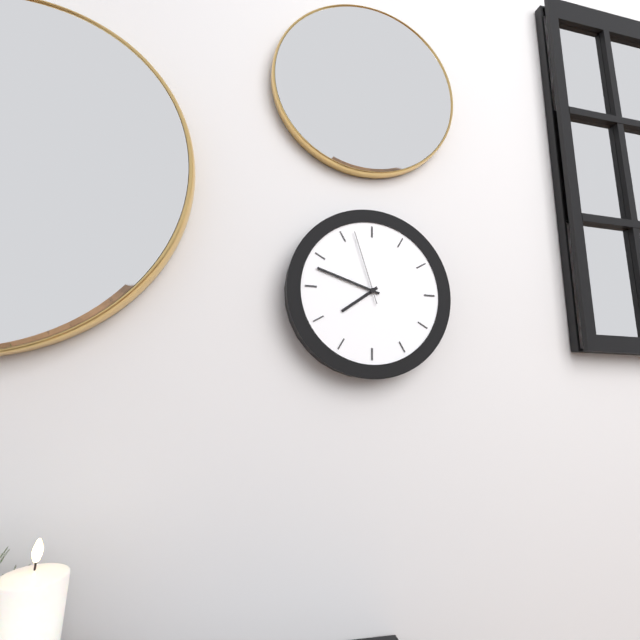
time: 7:48:57
